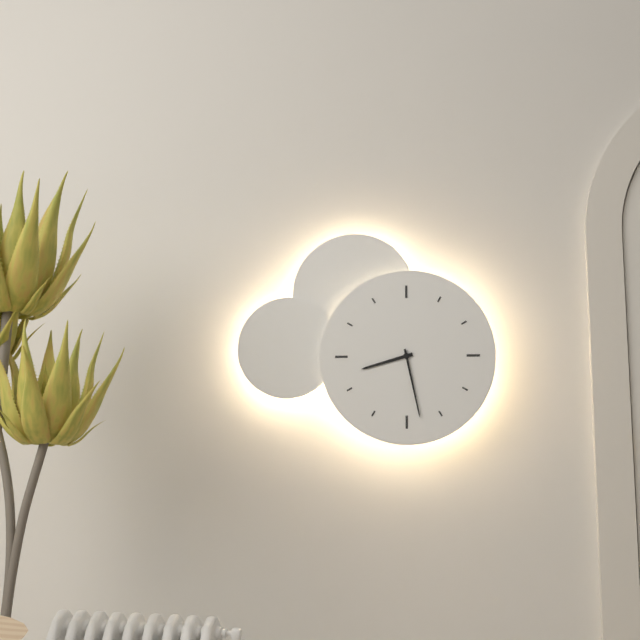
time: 8:28
